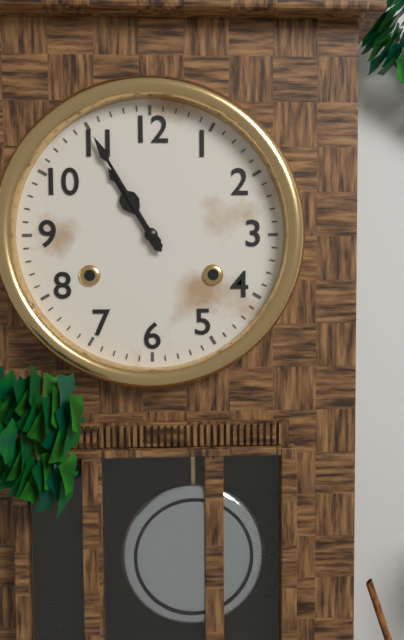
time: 10:55
